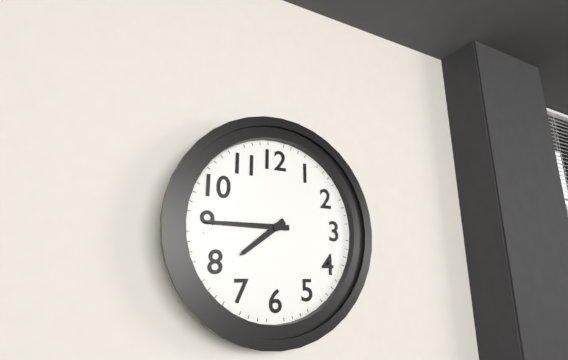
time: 7:45
